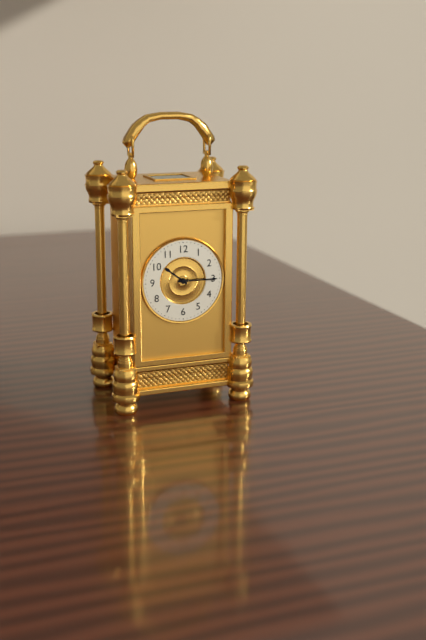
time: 10:15
